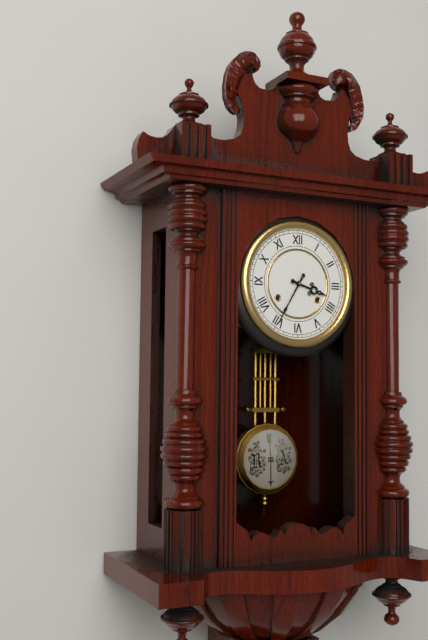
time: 3:35
